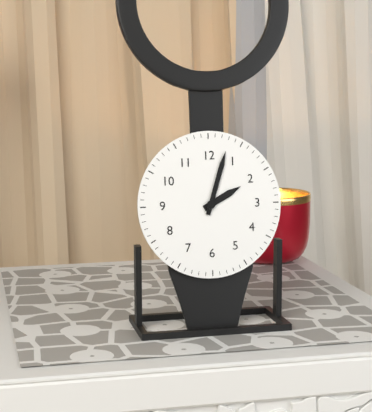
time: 2:03
